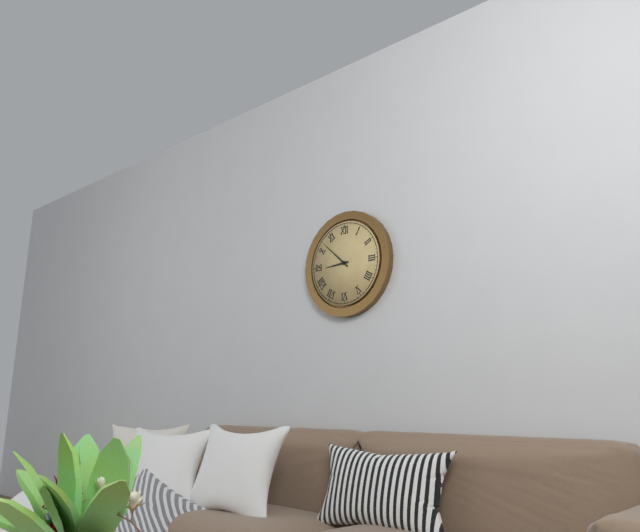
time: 8:52
